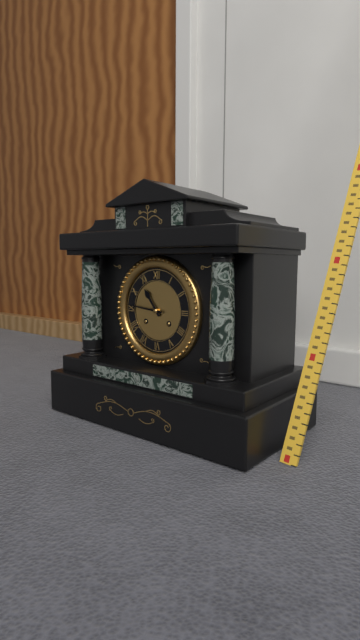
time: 10:46
